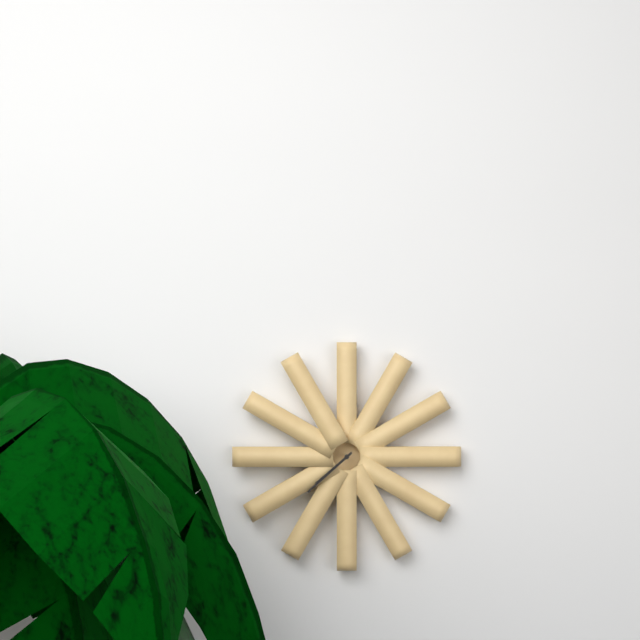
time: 7:38
